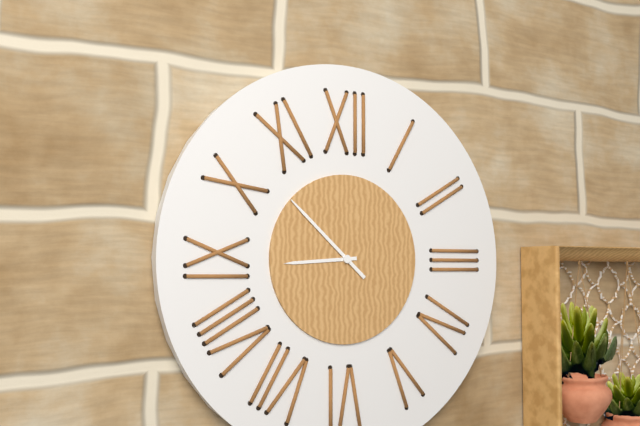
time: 8:52
